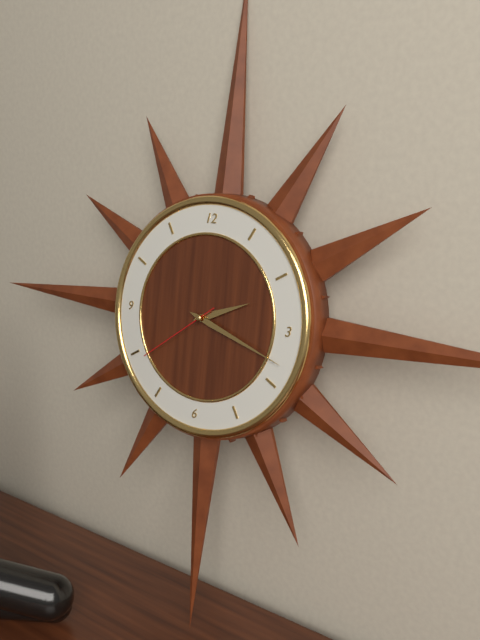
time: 2:18:39
